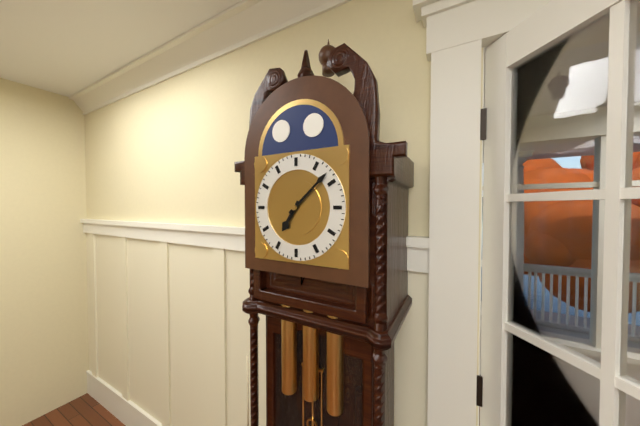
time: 7:08
